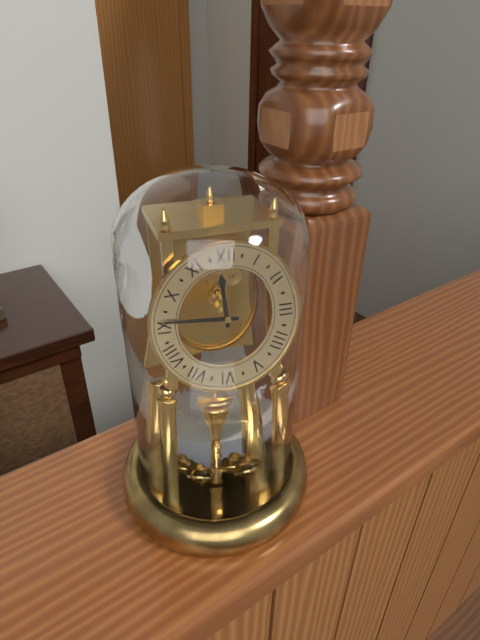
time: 11:46
